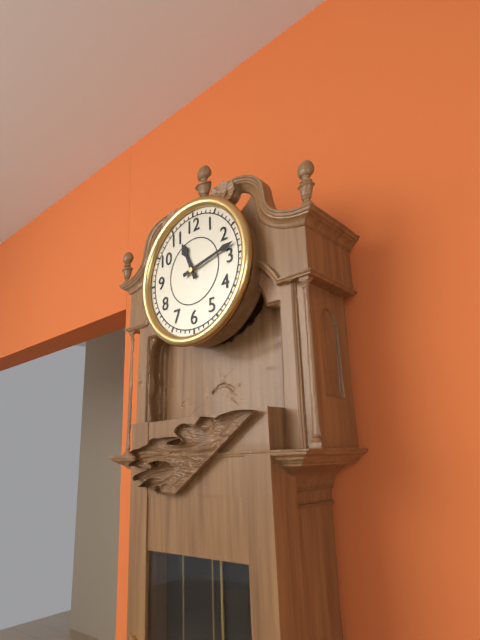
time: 11:13
